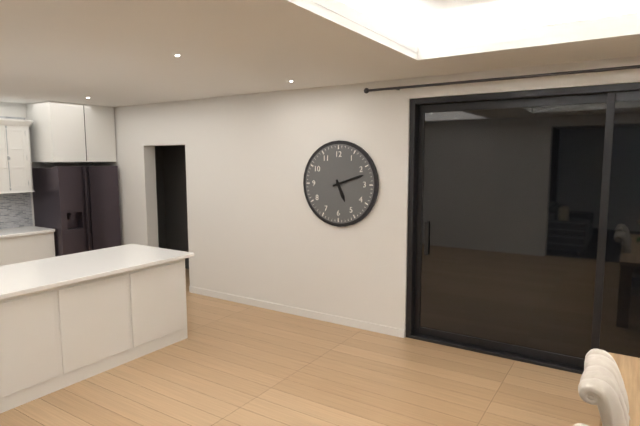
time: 5:12
